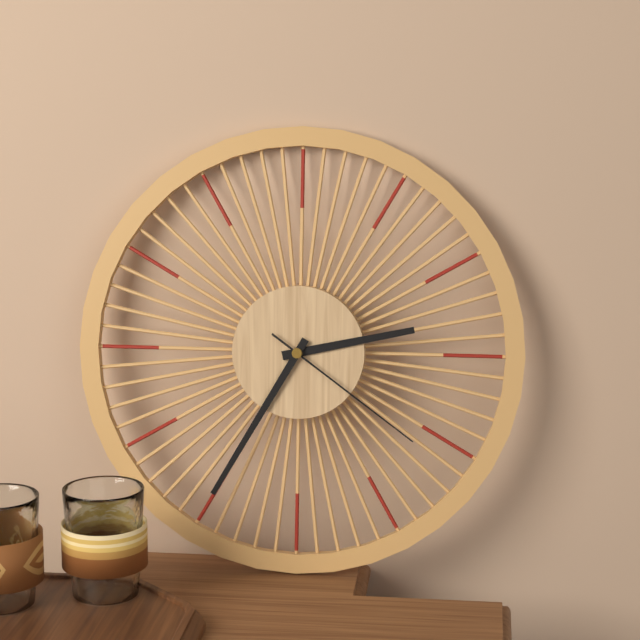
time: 2:35:21
